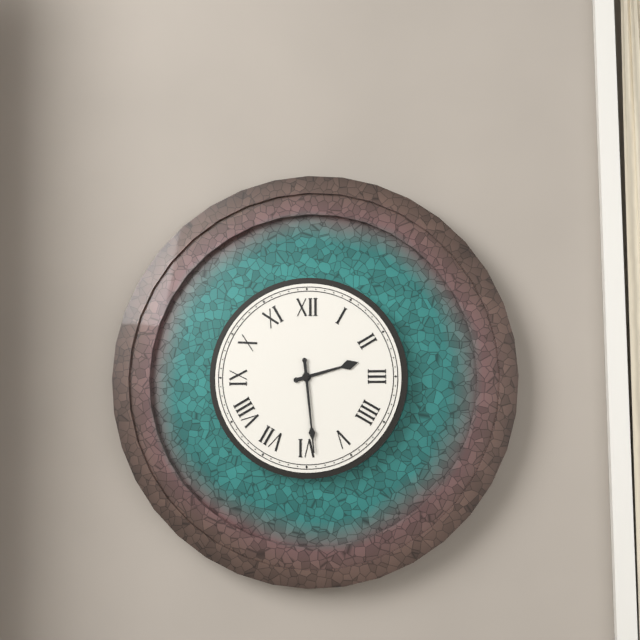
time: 2:29
